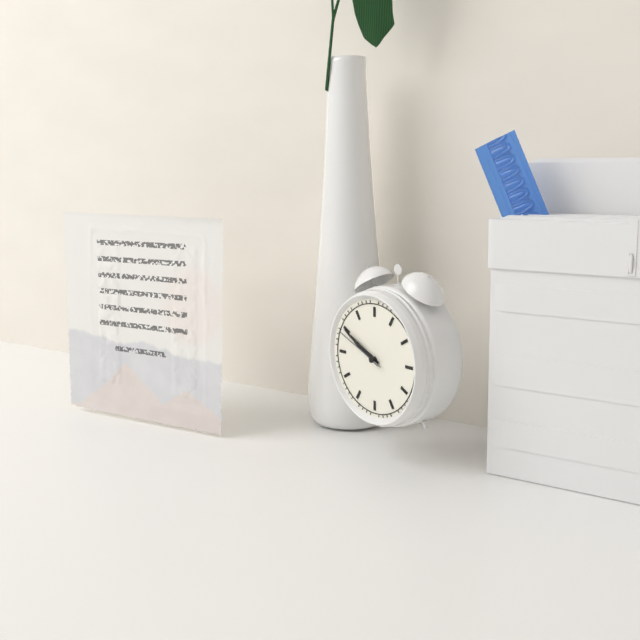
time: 9:50:49
